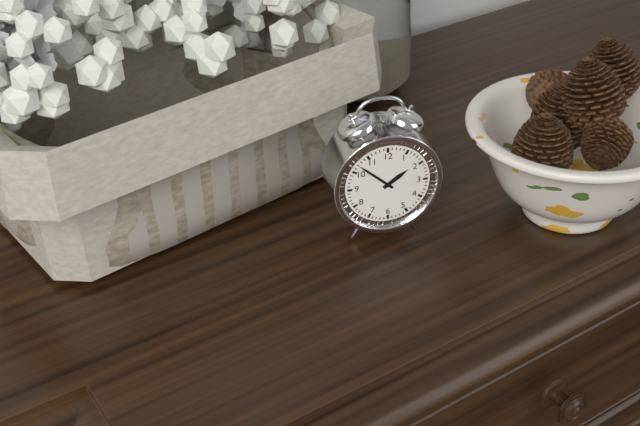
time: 1:52
